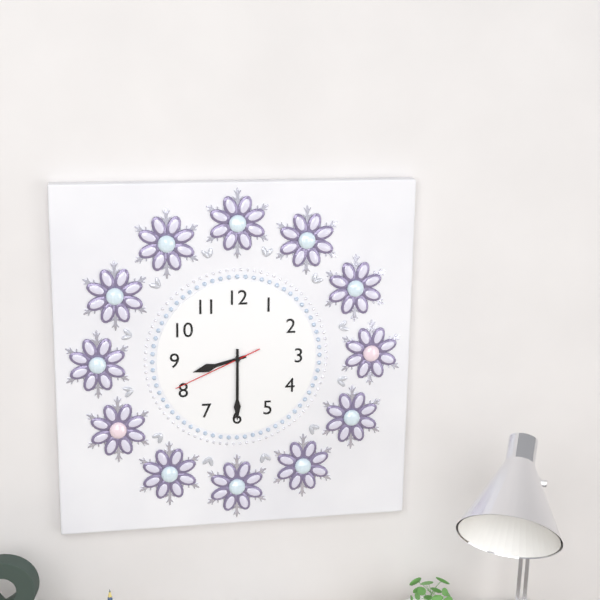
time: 8:30:41
